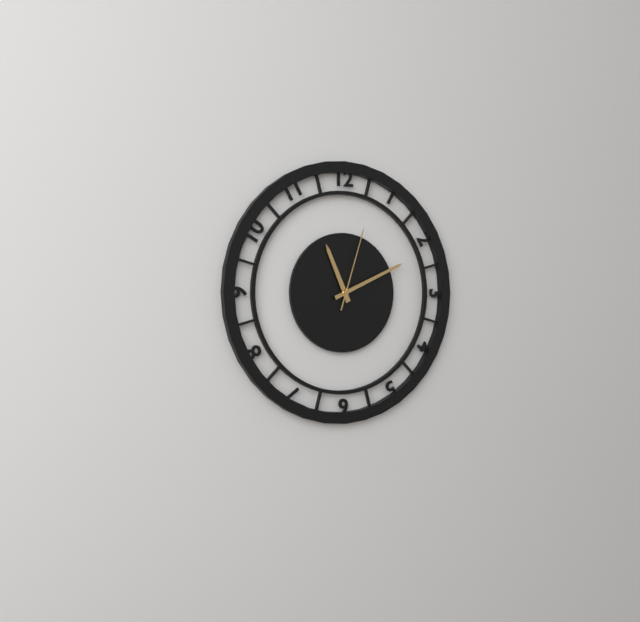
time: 11:11:03
